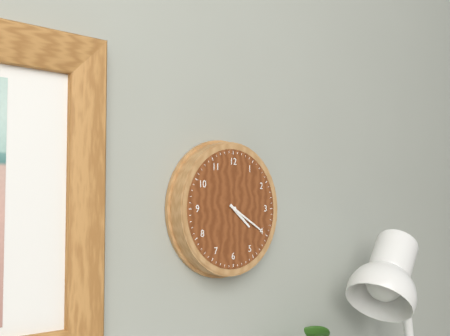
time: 4:20
